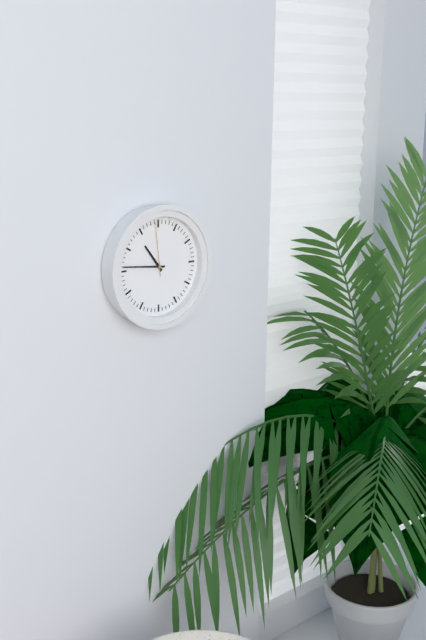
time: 10:46:59
